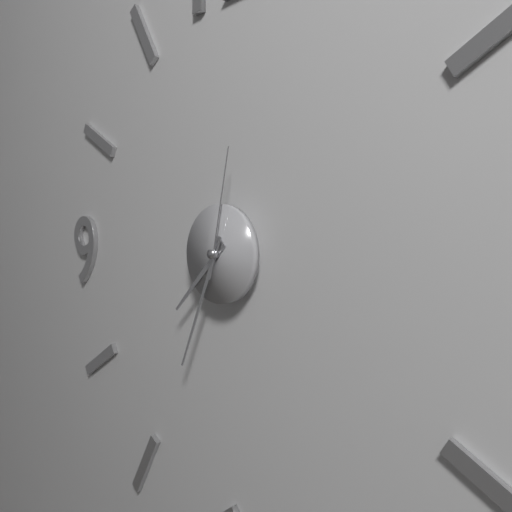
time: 7:34:02
